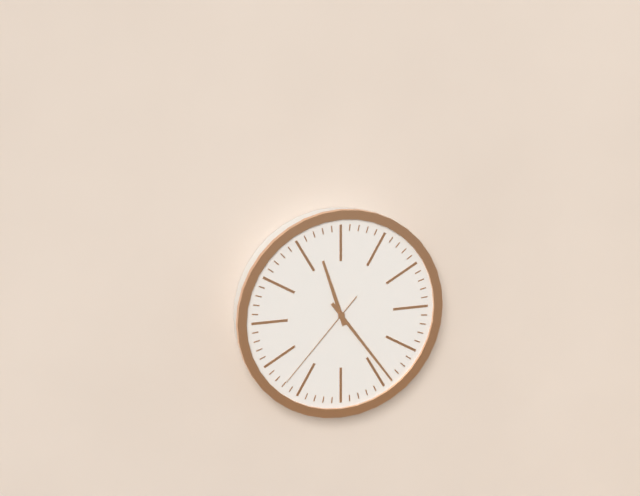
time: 11:24:37
